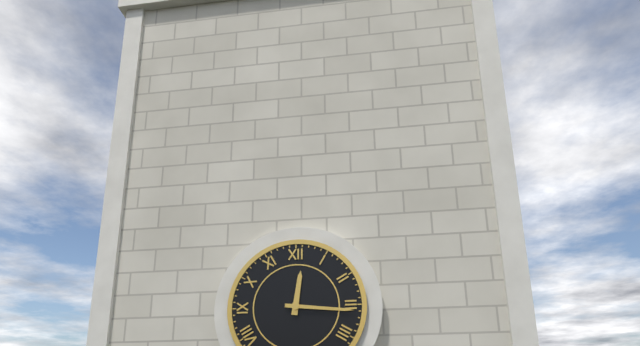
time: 12:16
